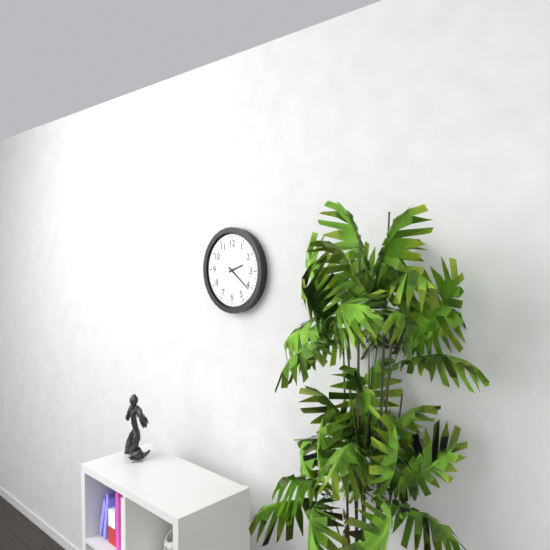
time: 2:21
